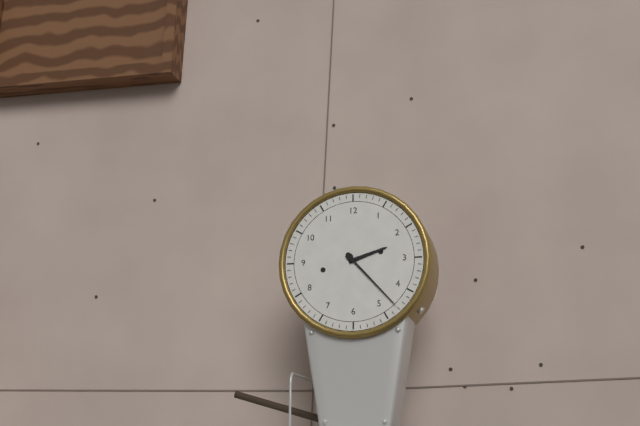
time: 2:23
